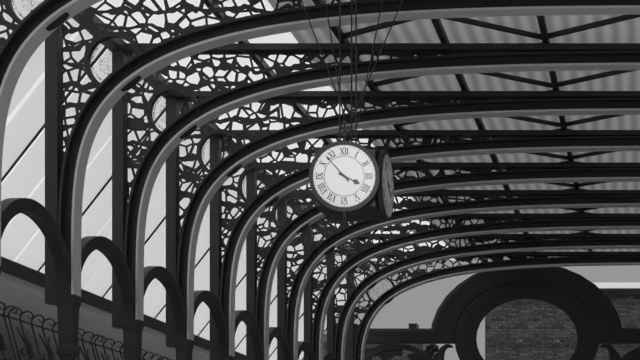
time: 3:53
